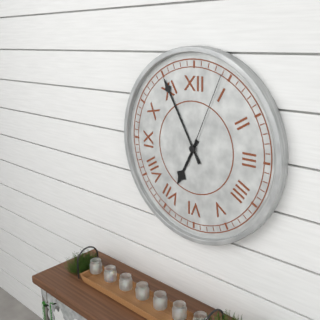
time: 6:55:04
